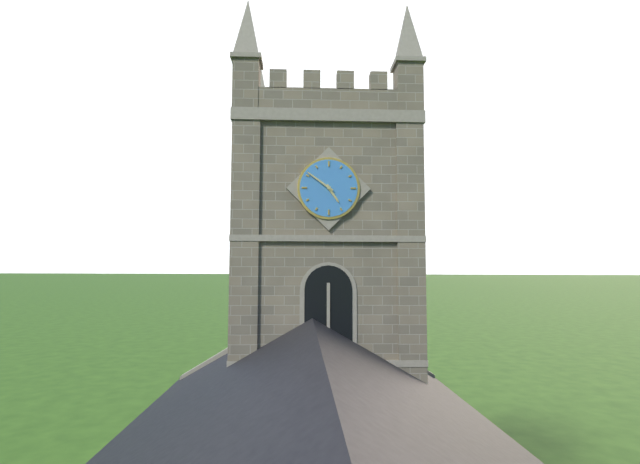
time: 4:51
